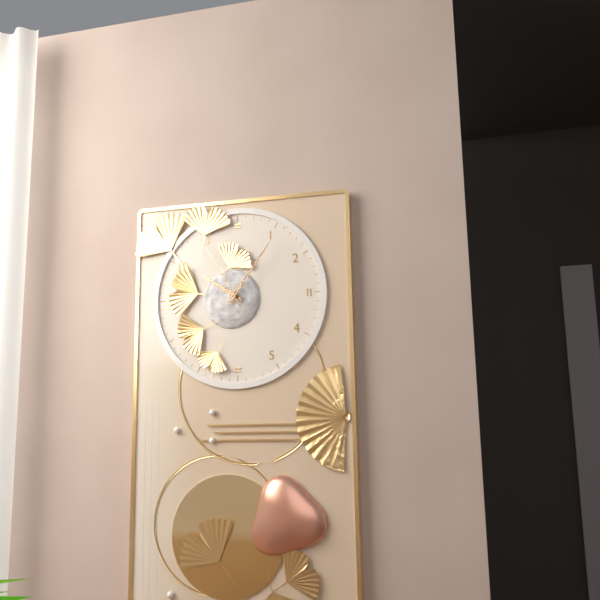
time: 10:06:55
